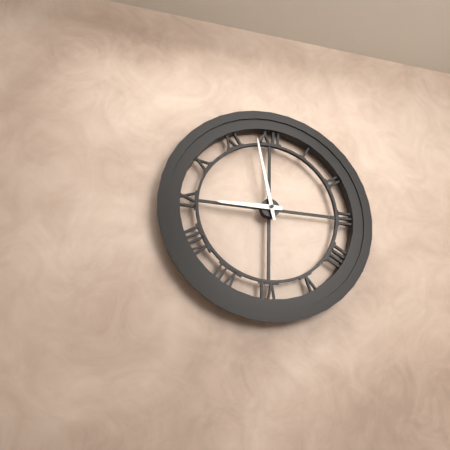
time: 8:58
